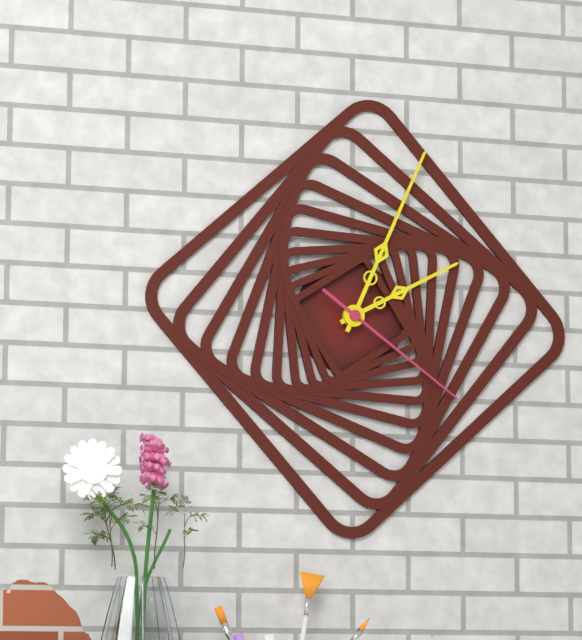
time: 2:04:21
